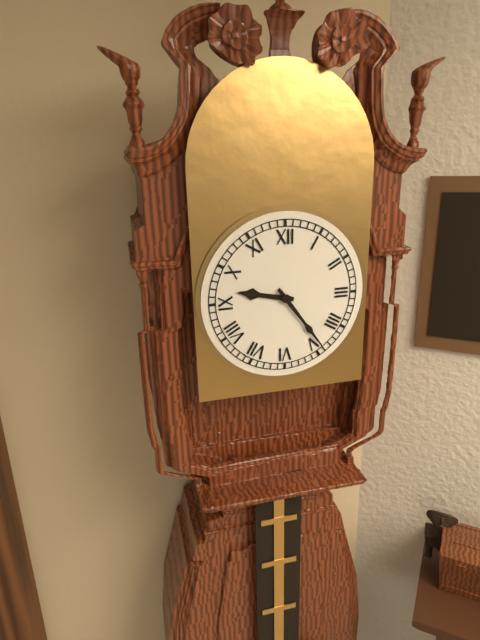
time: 9:24
